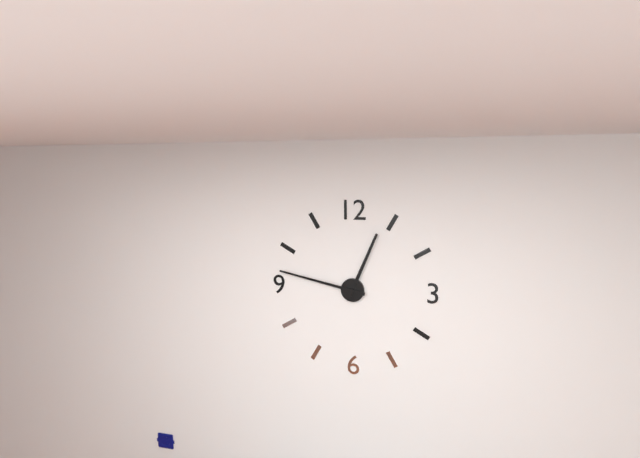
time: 12:47
